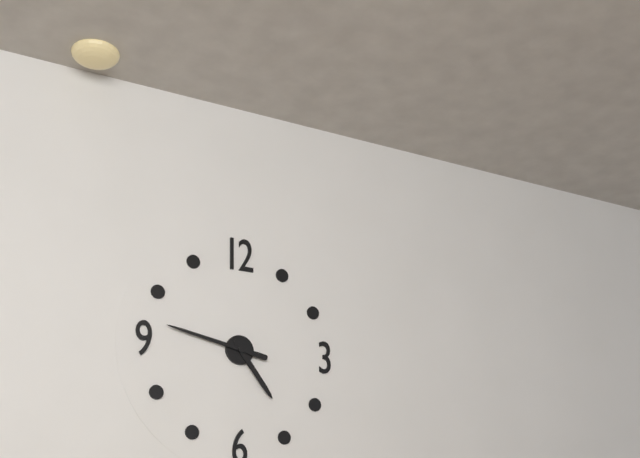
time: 4:47
